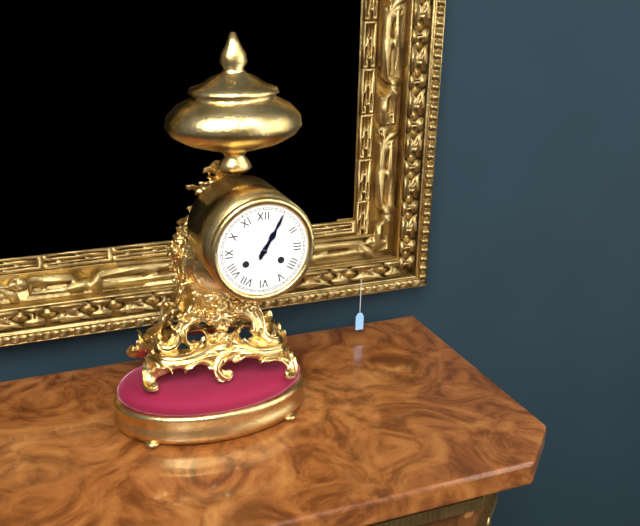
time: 1:05
